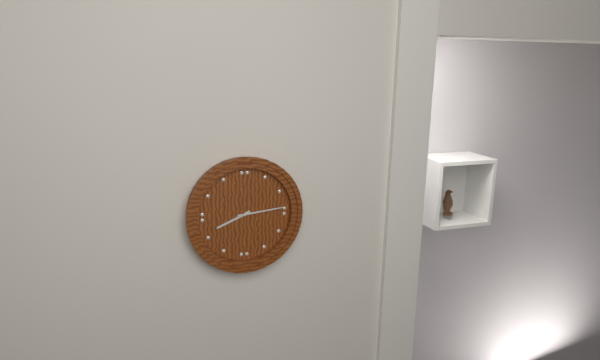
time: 8:14
